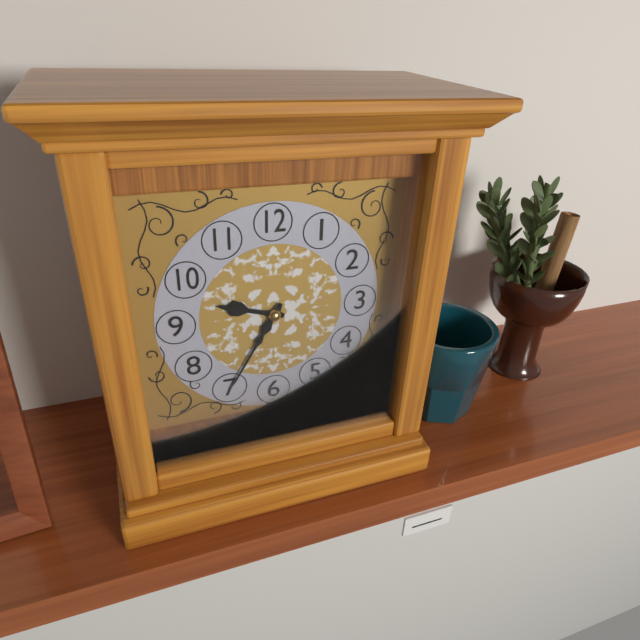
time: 9:35
